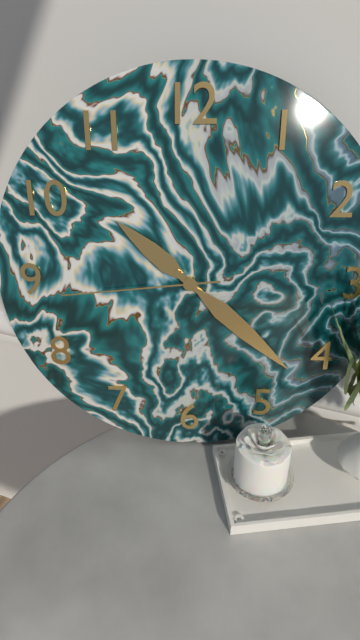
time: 10:22:44
